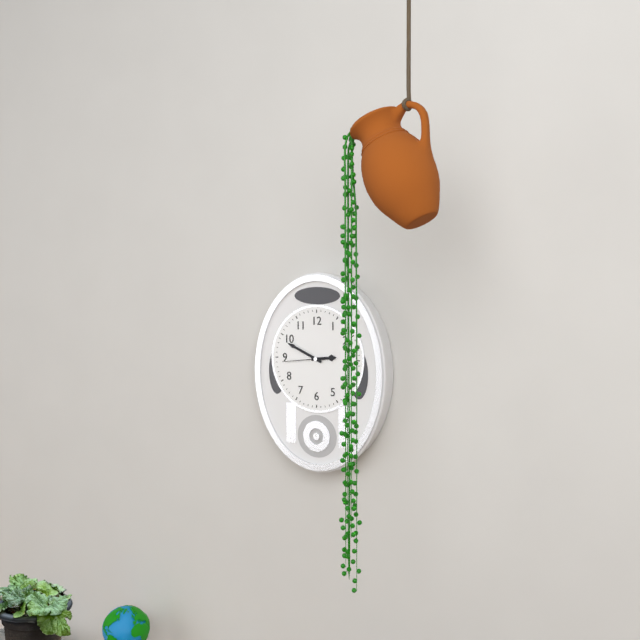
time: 2:49
